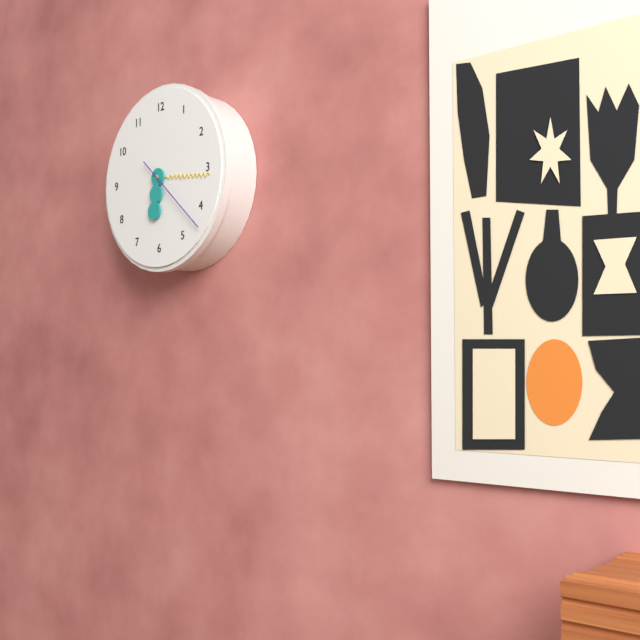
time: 6:16:22
